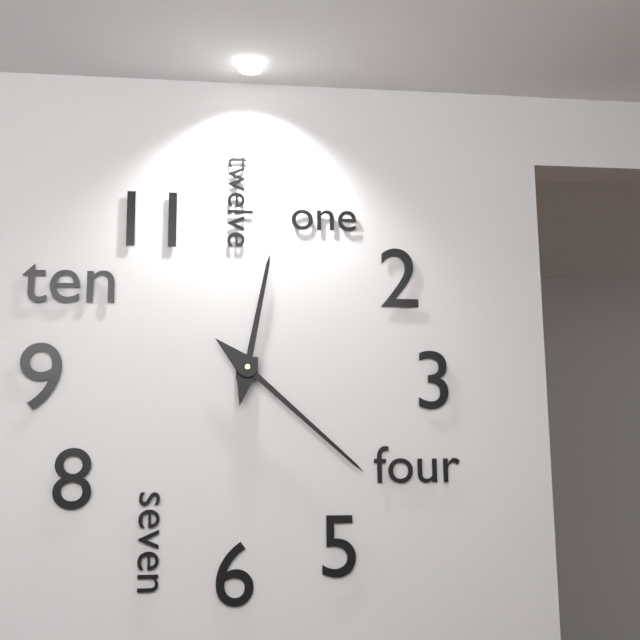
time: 12:22
